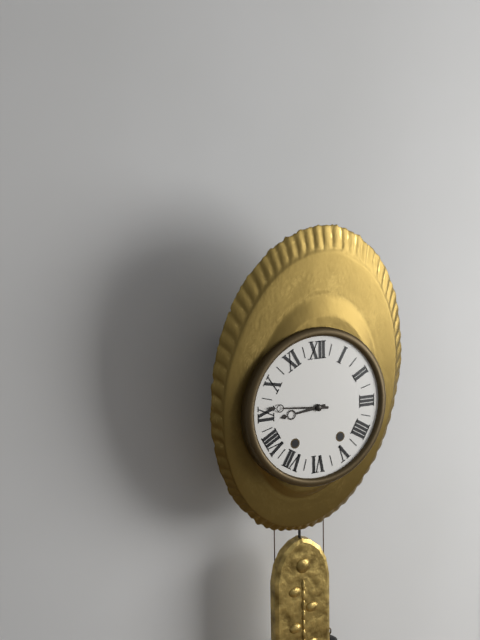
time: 8:46
